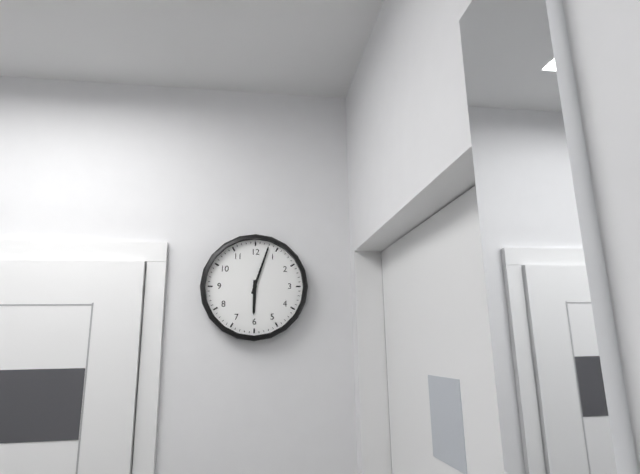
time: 6:03
